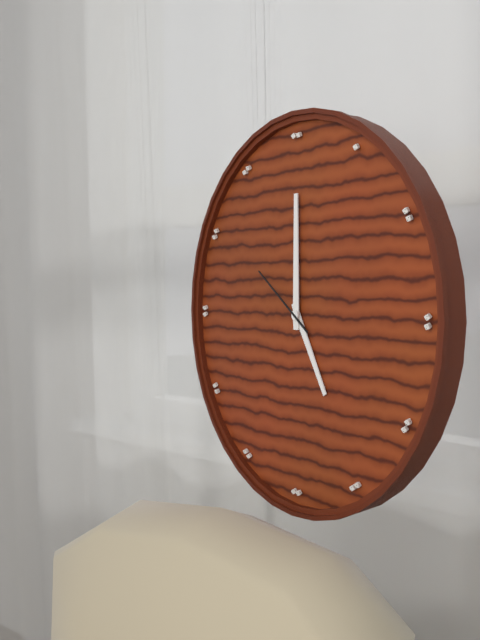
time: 5:00:51
